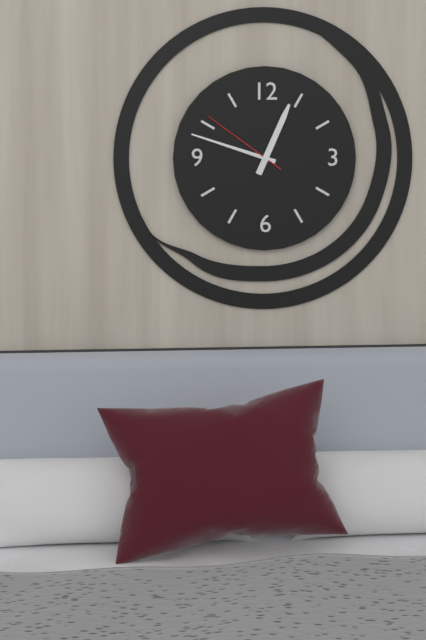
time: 12:48:51
